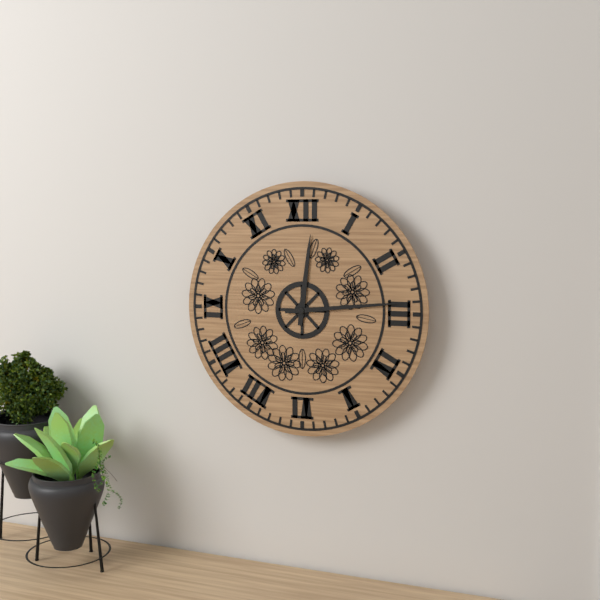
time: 12:14
